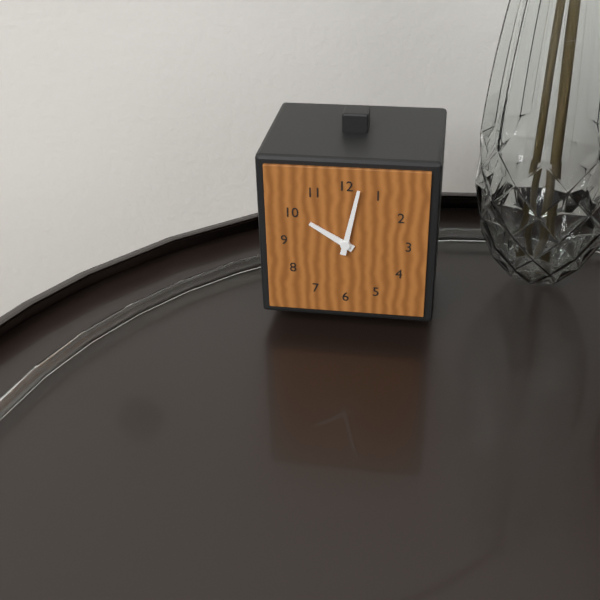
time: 10:02
